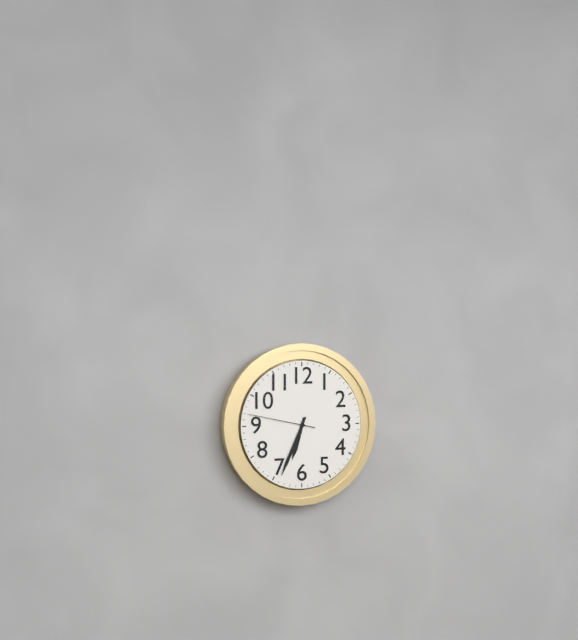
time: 6:34:47
